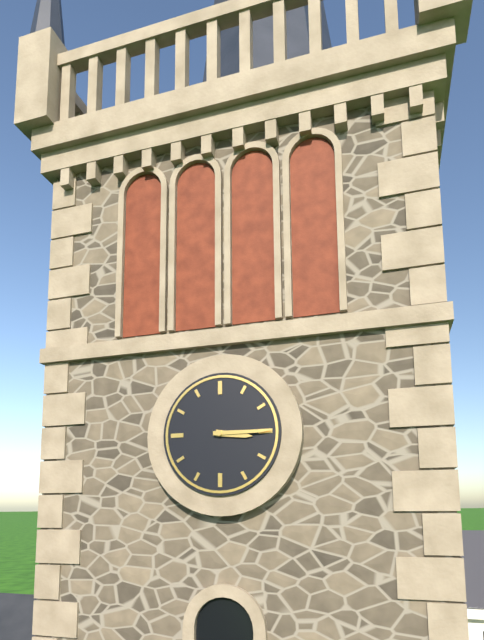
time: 3:15
